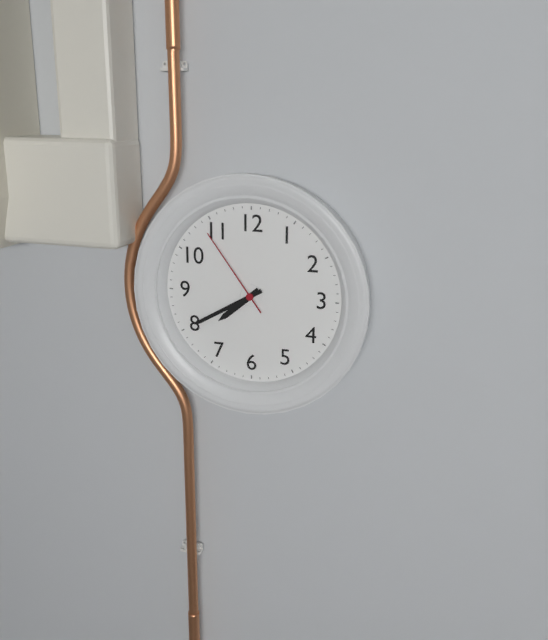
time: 7:40:54
